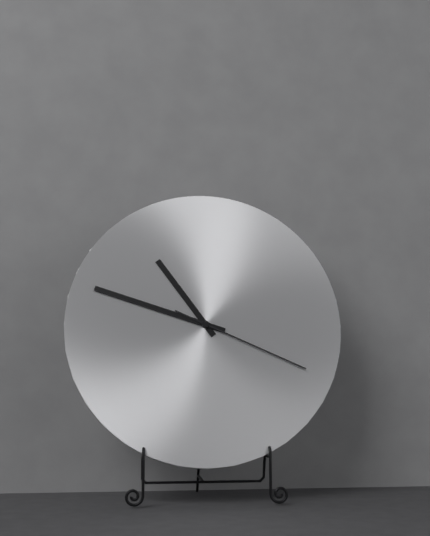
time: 10:48:19
